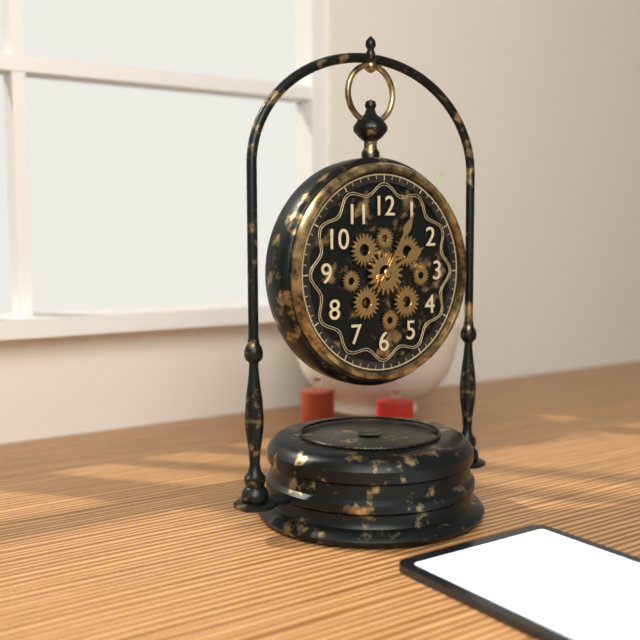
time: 2:05
